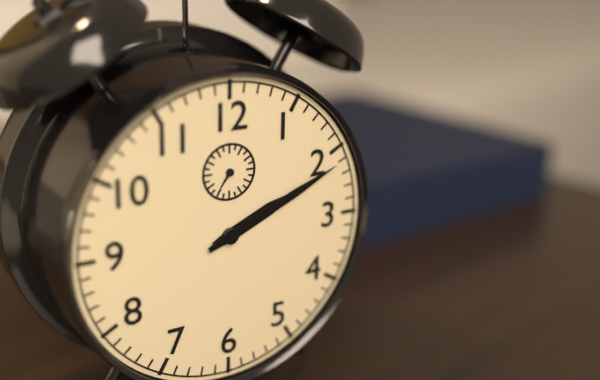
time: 2:11
